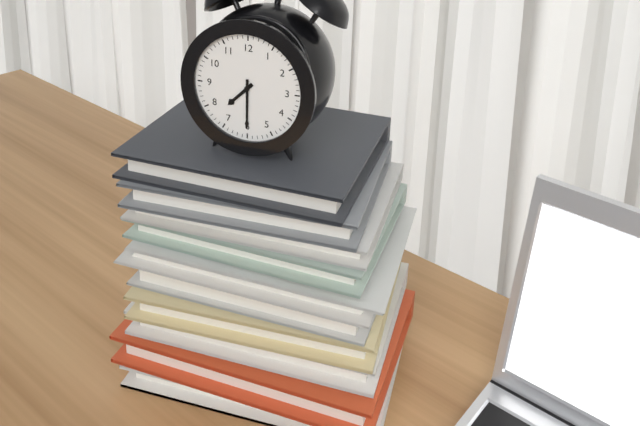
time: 7:30
